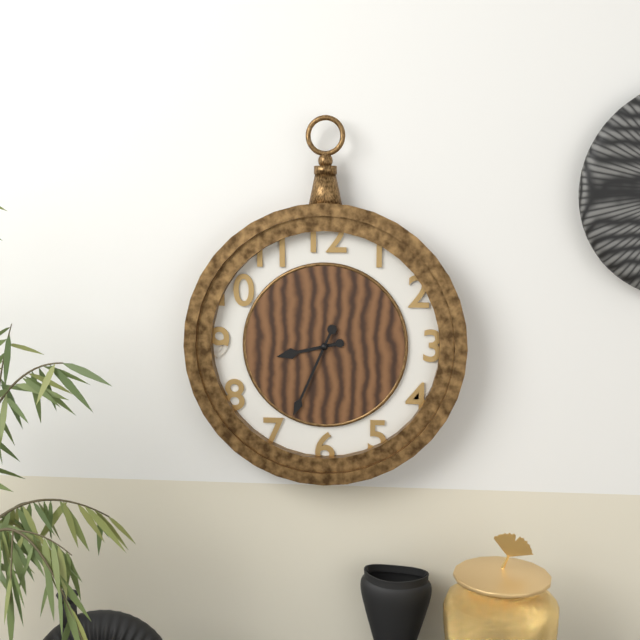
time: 8:34
